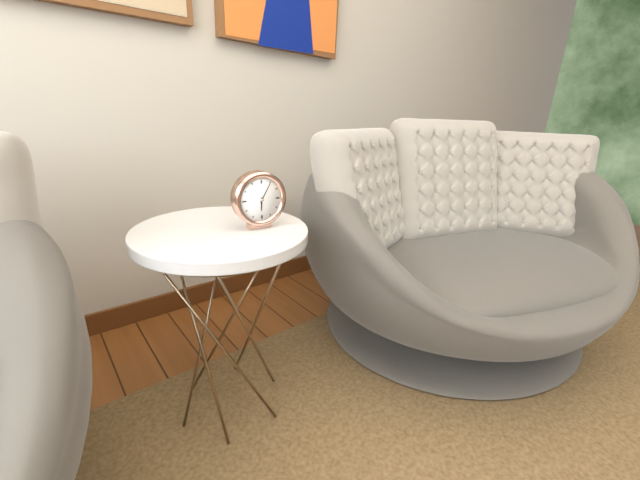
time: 6:05
